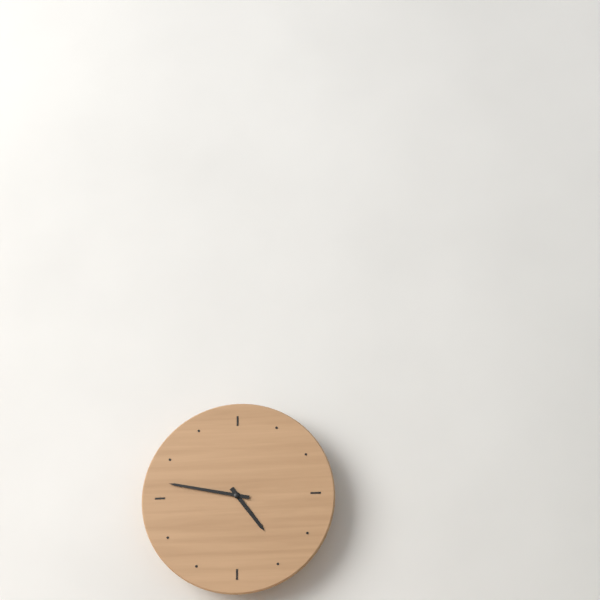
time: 4:47
